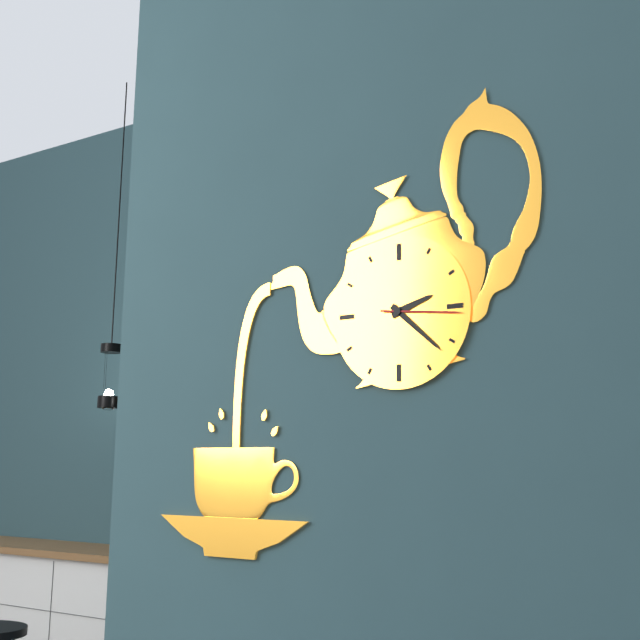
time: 2:22:16
